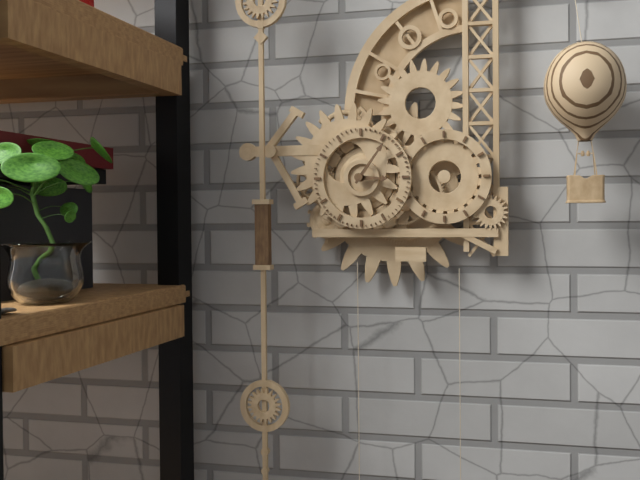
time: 3:06
